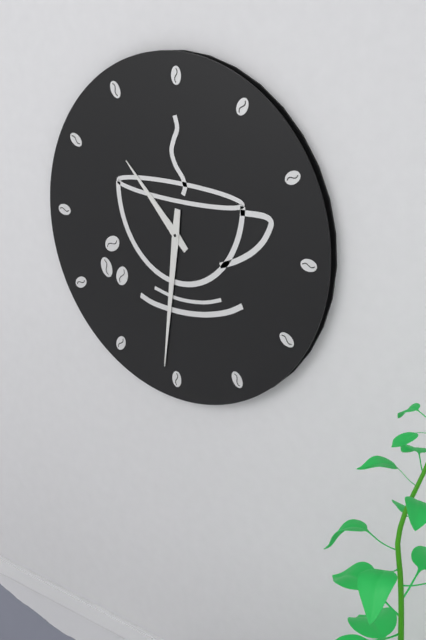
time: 10:31
